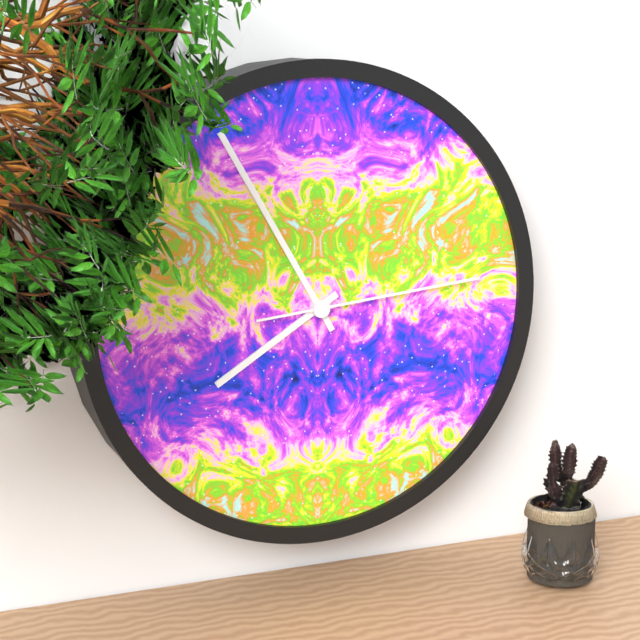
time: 7:55:14
